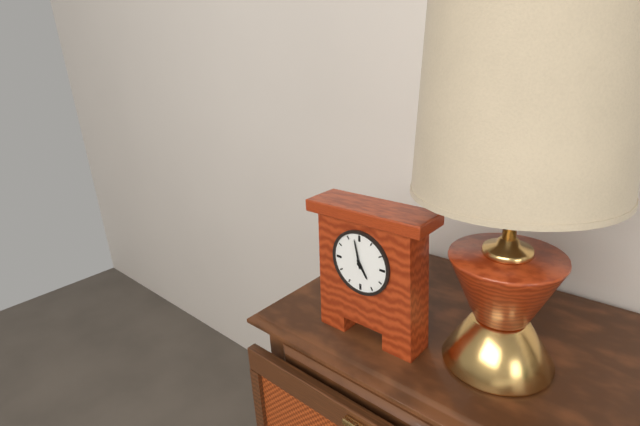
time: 4:58
